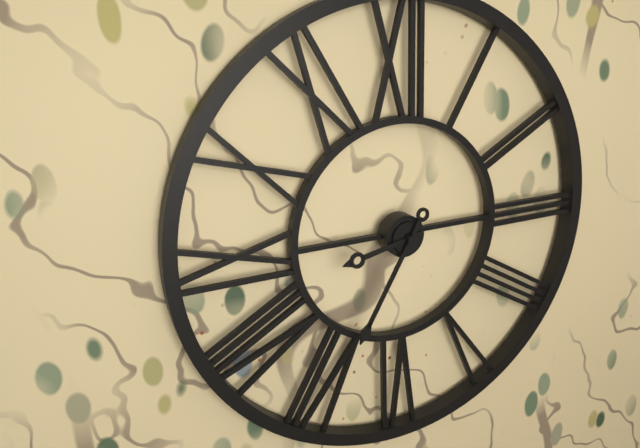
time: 8:35
